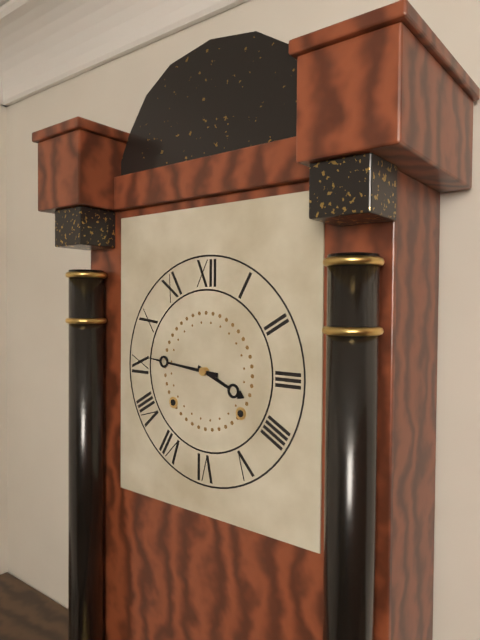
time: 3:46
